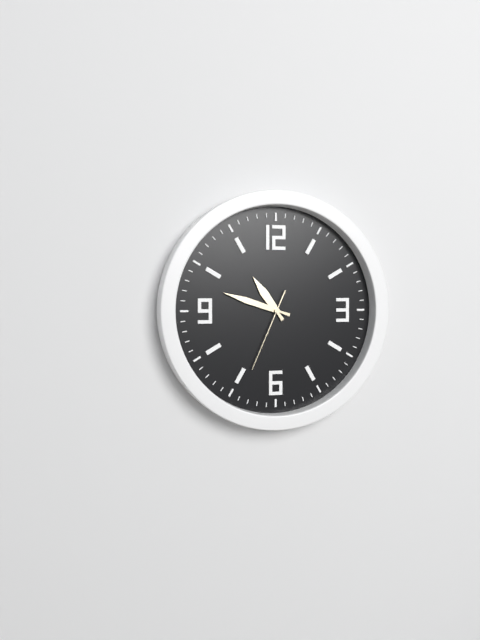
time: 10:48:34
